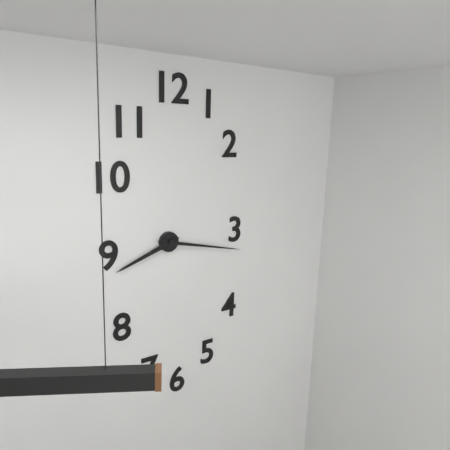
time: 8:17
